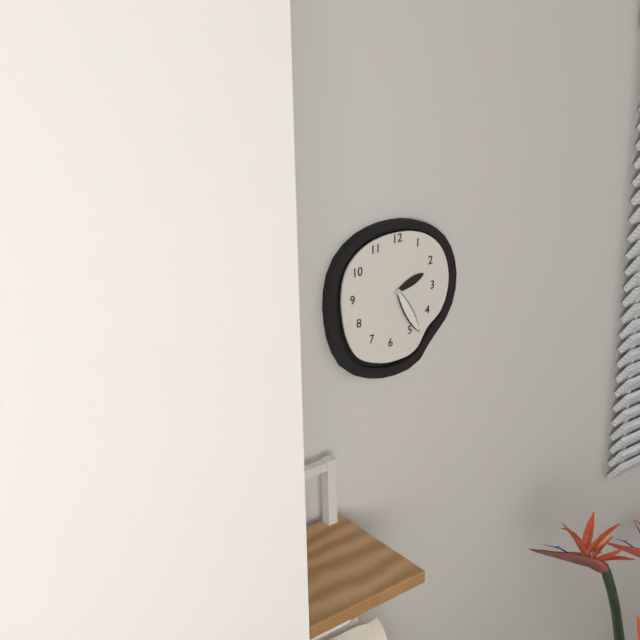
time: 2:25
